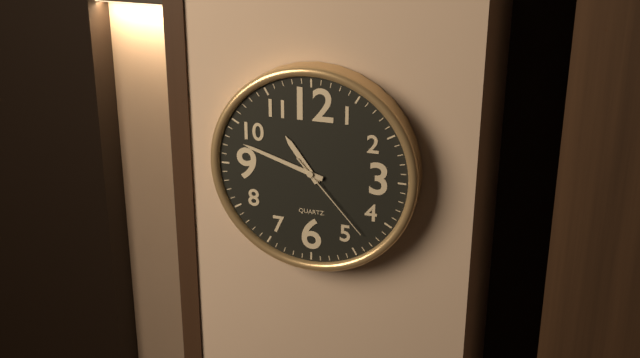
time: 10:48:23
